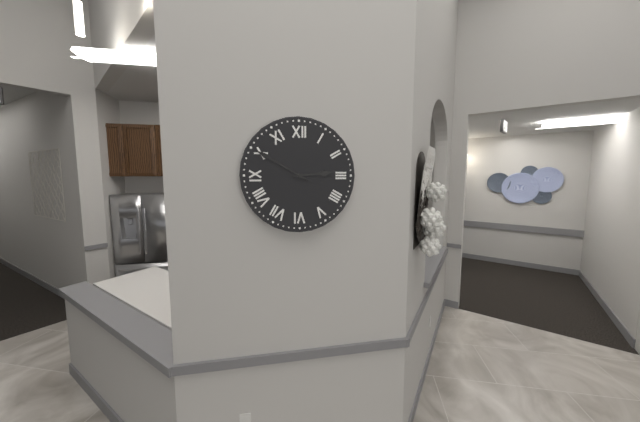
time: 2:50
